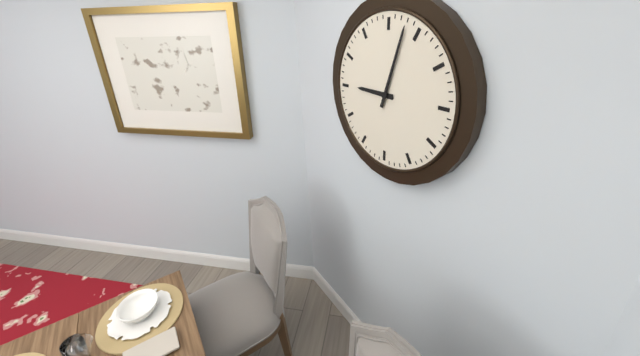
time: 9:03
